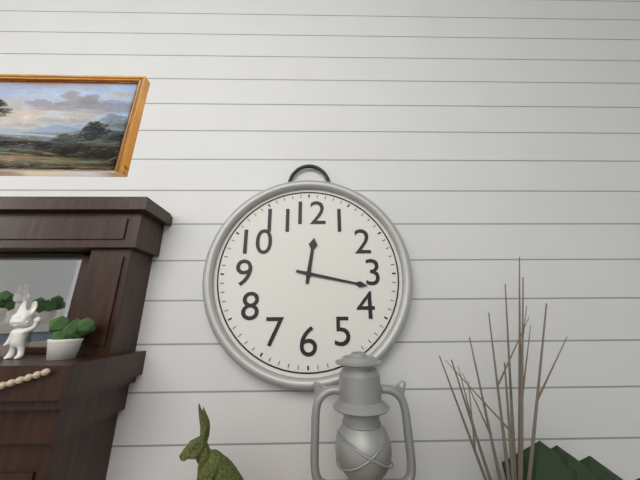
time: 12:17
